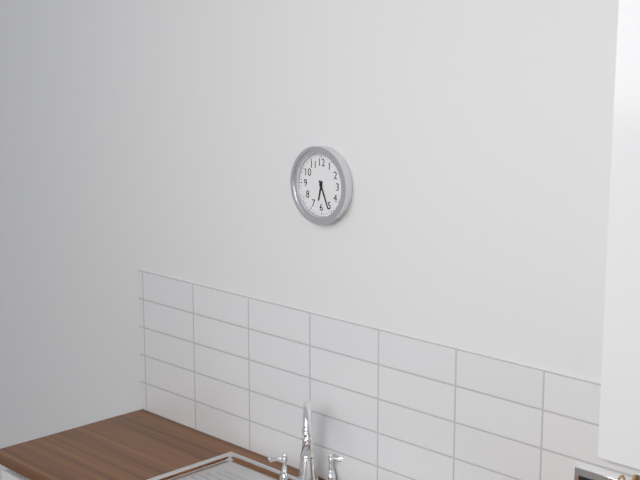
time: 6:26
